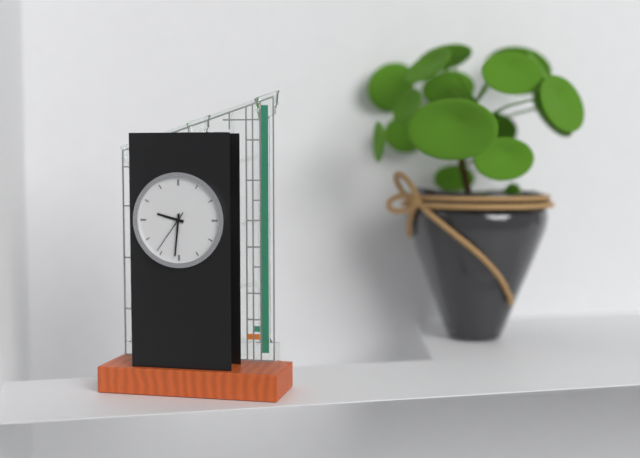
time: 9:31
